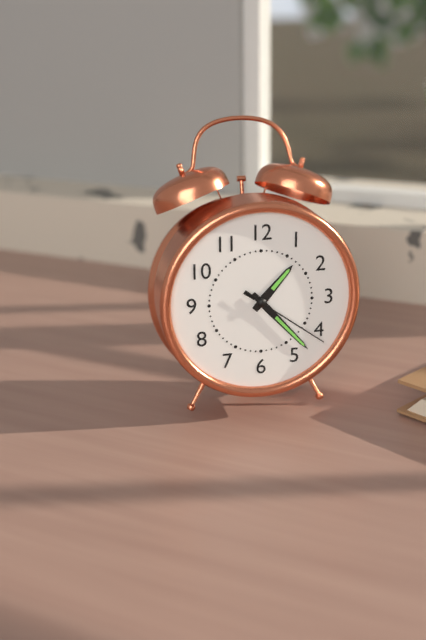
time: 1:23:21
